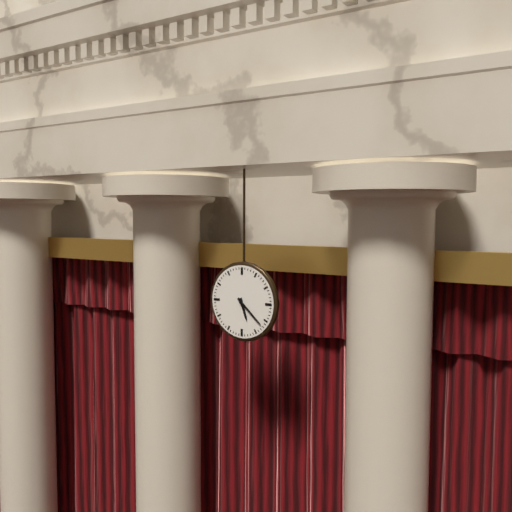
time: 5:22
